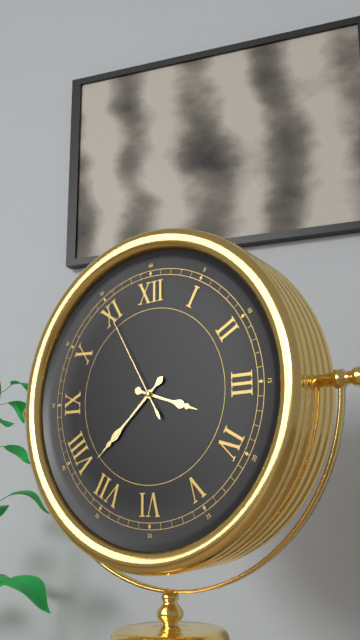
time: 3:38:55
